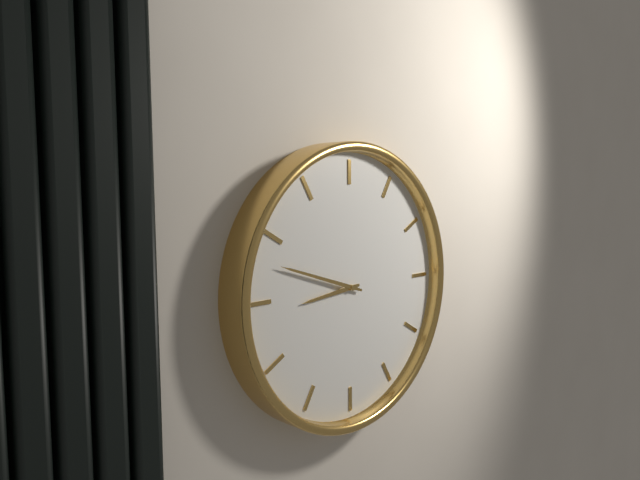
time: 8:48
